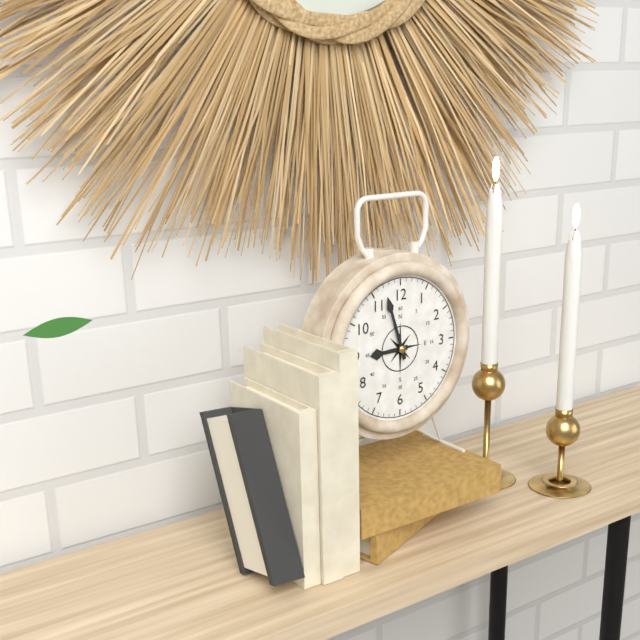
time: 8:57
